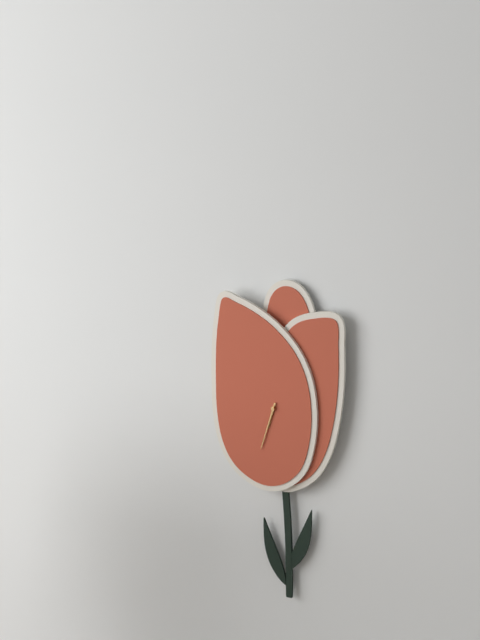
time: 6:33
